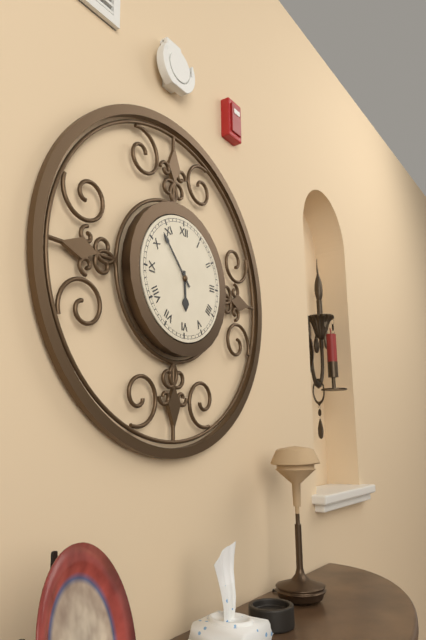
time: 5:53
